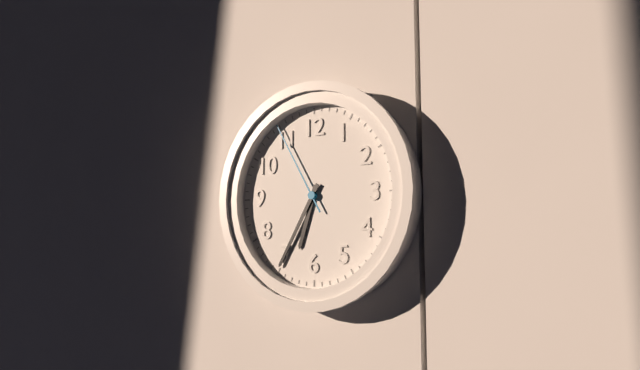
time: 6:35:55
